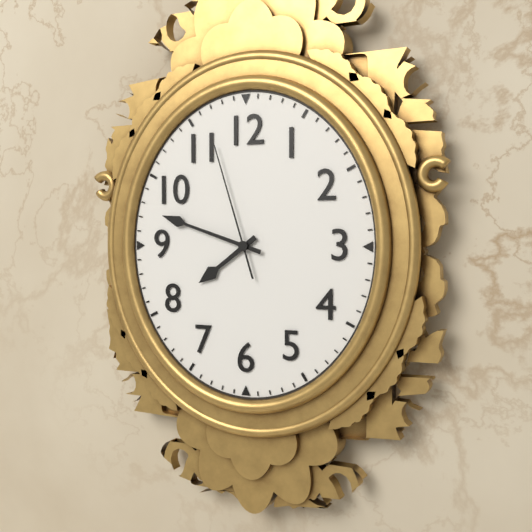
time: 7:48:57
